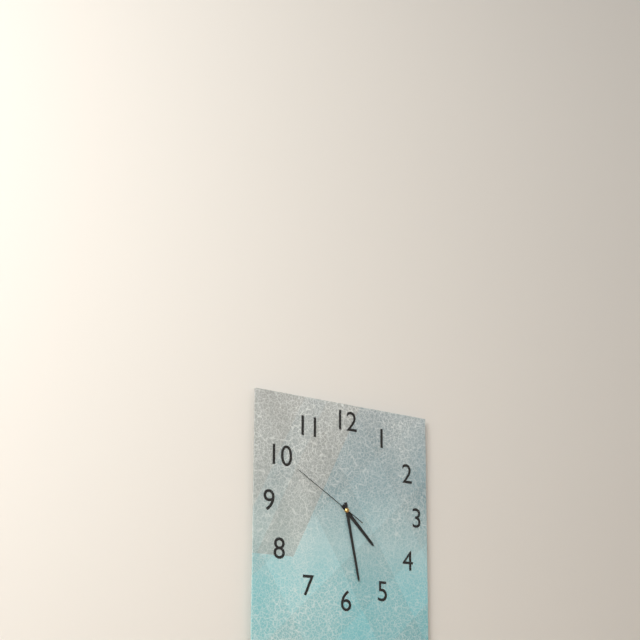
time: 4:28:50
